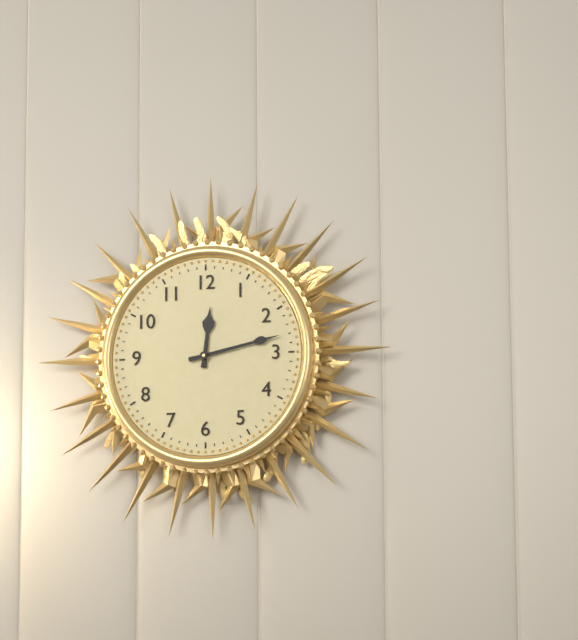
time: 12:13
